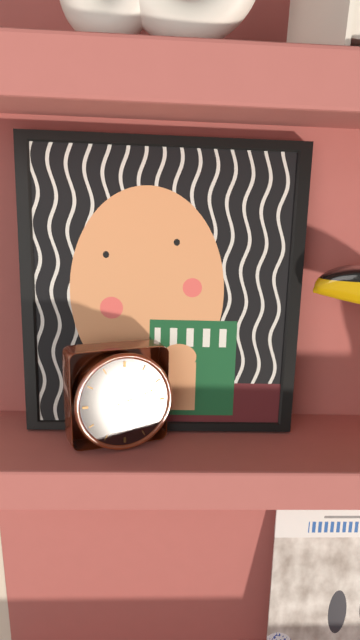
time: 4:12
